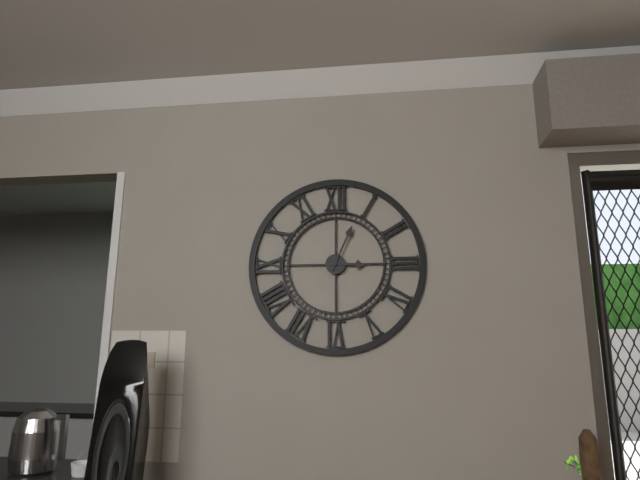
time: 3:04
